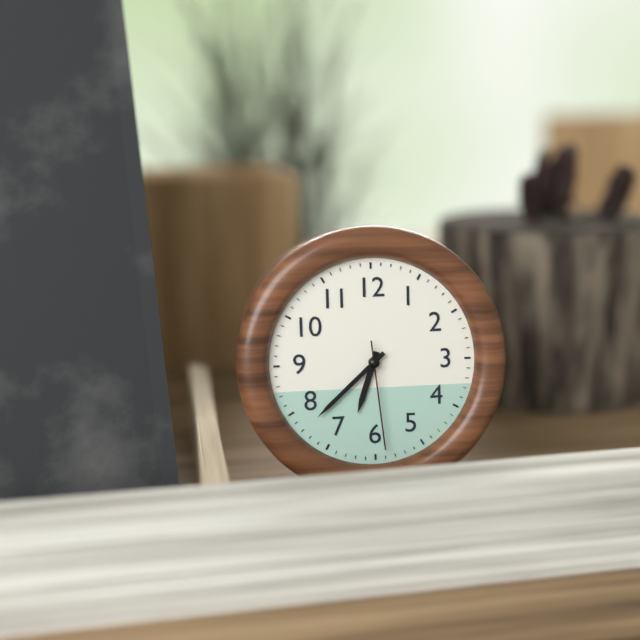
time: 6:38:29
